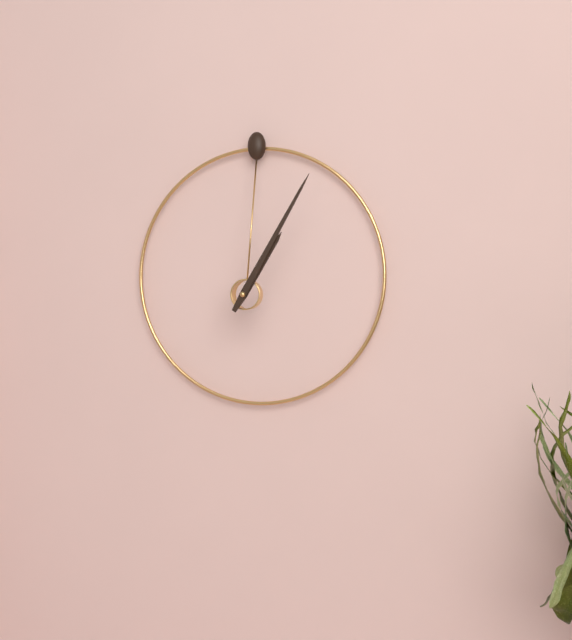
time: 1:05
